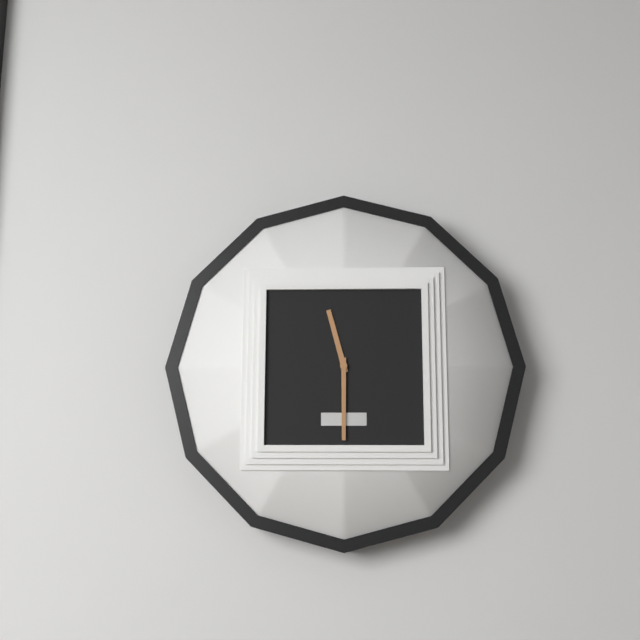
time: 11:30
